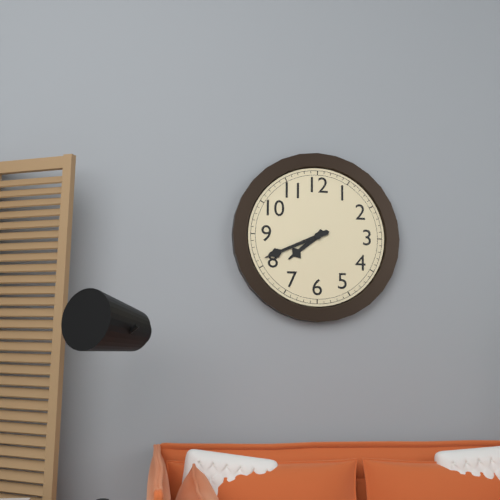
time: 7:41
